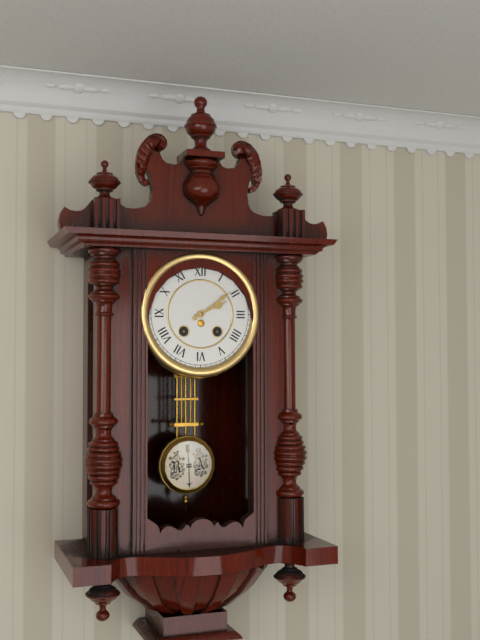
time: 2:09
